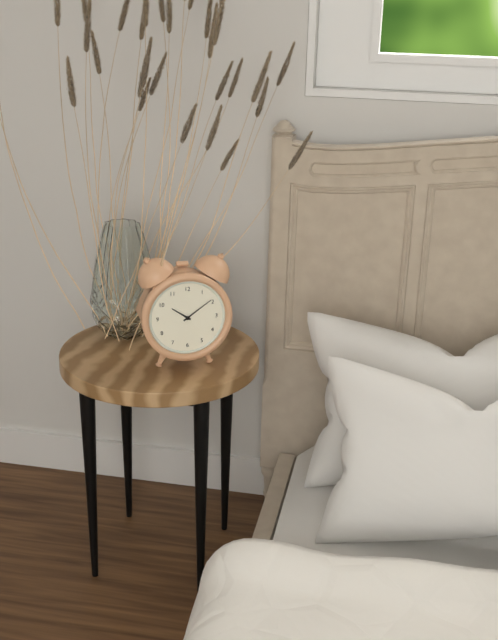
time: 10:09
